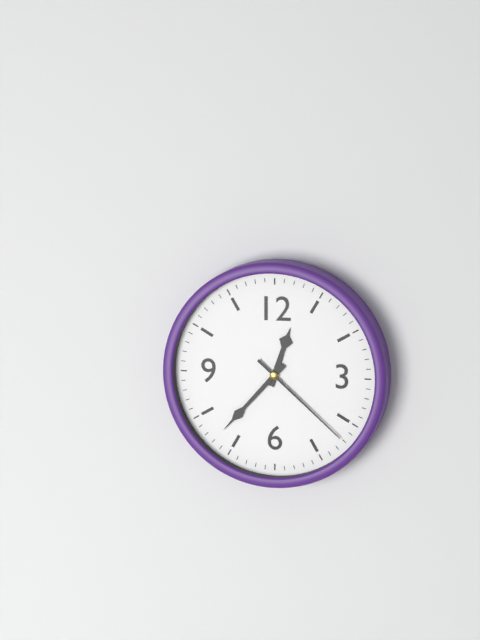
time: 12:37:22
